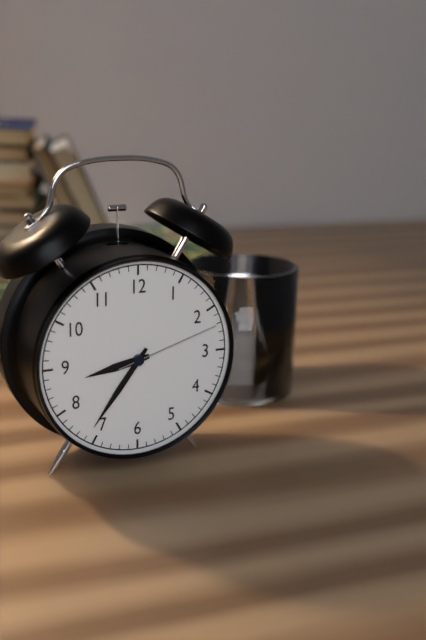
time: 8:36:12
